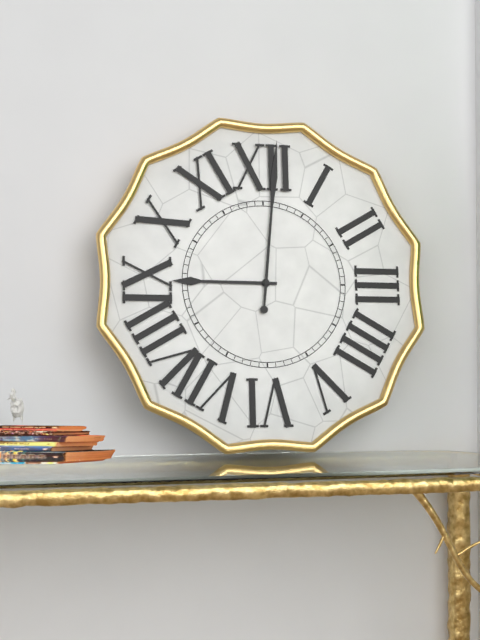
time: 9:01
